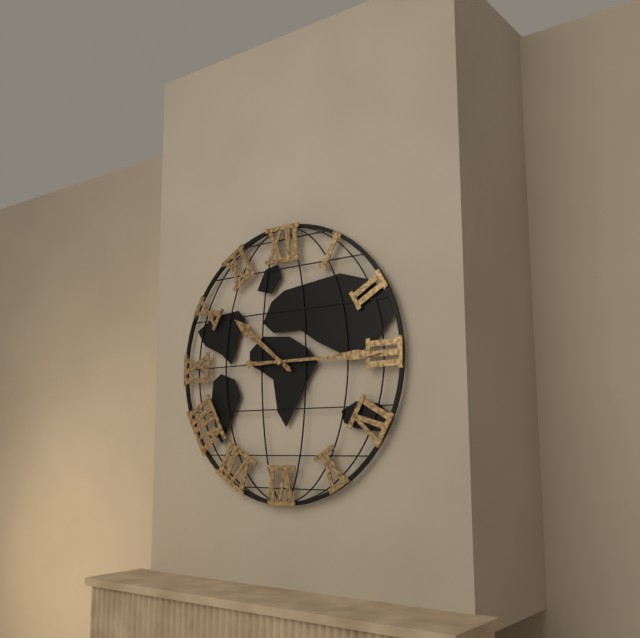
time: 10:15
